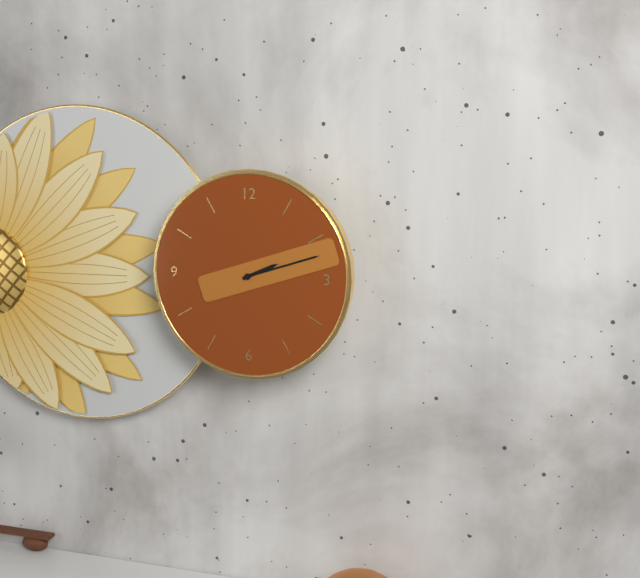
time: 2:12
